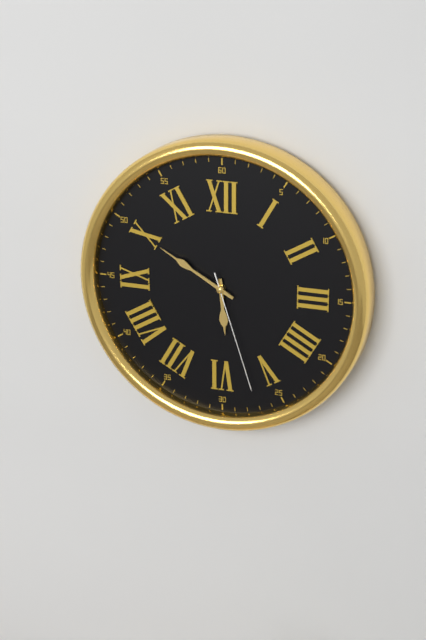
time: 5:50:27
